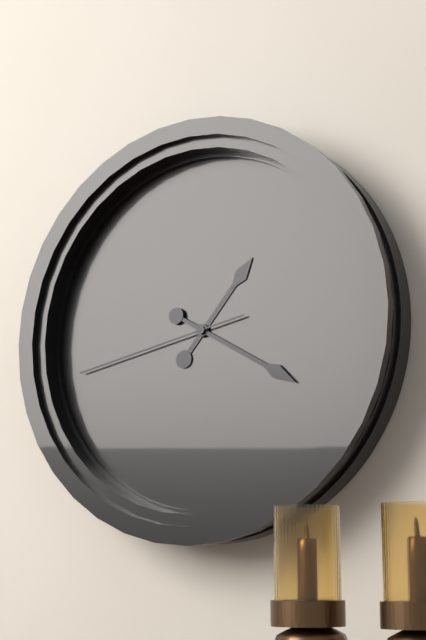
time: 1:20:43
